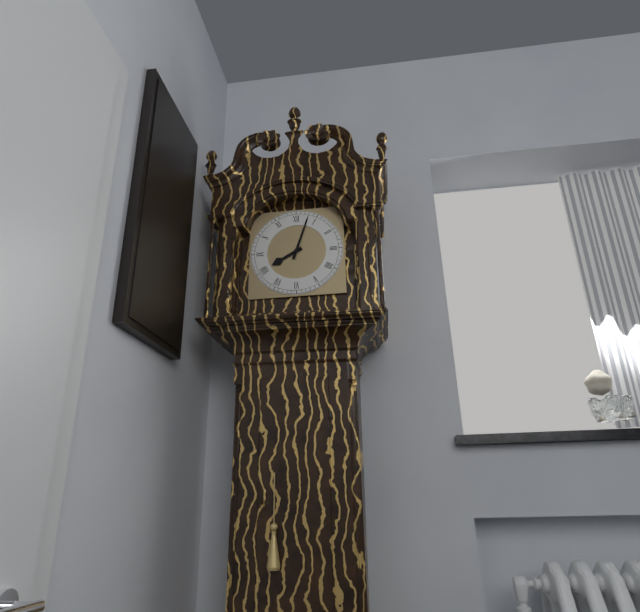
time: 8:03
